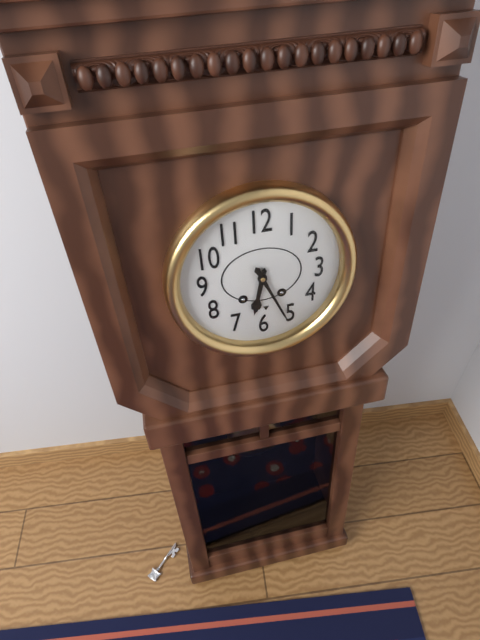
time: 6:26
